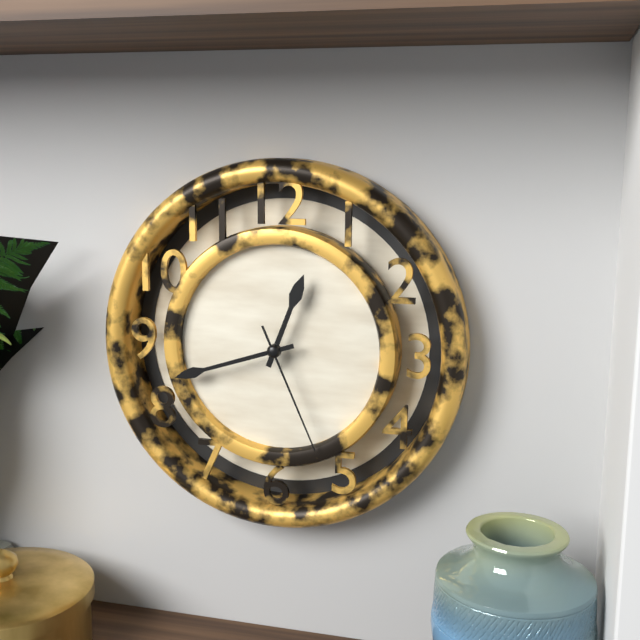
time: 12:42:26
